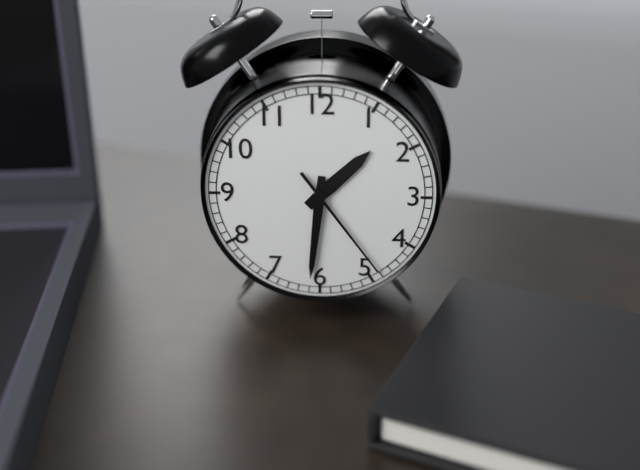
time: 1:31:24
